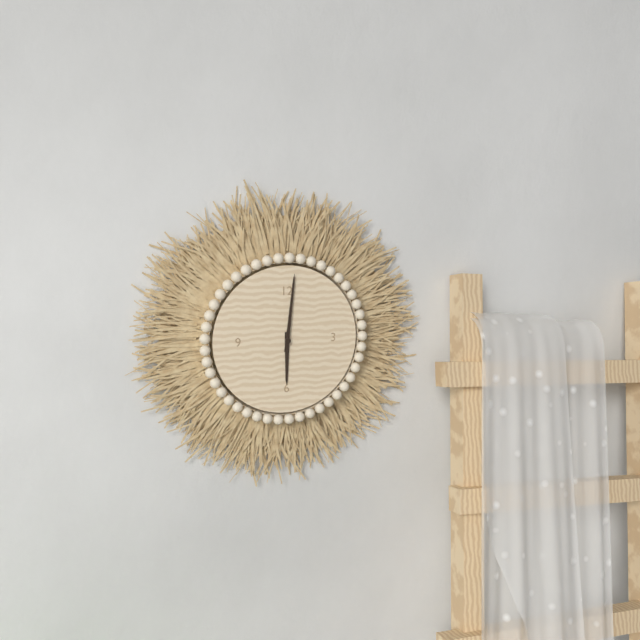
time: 6:01
